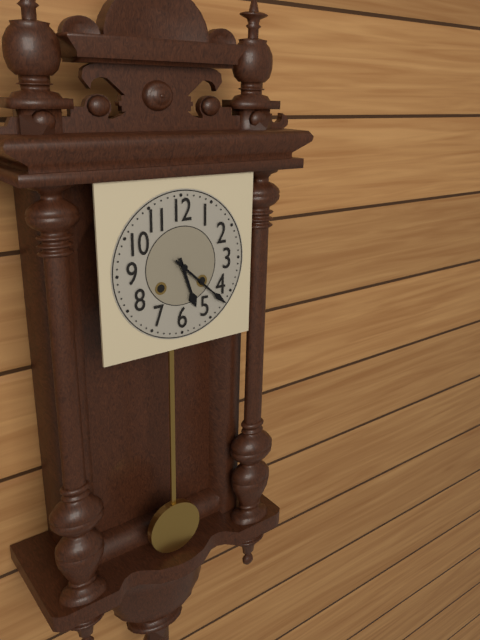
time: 5:22
